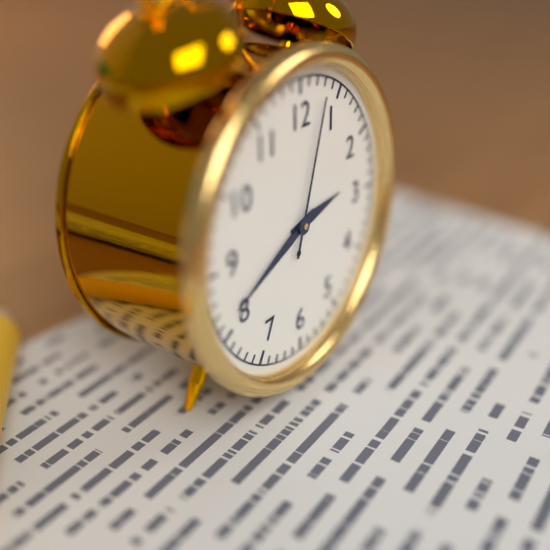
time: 2:41:03
